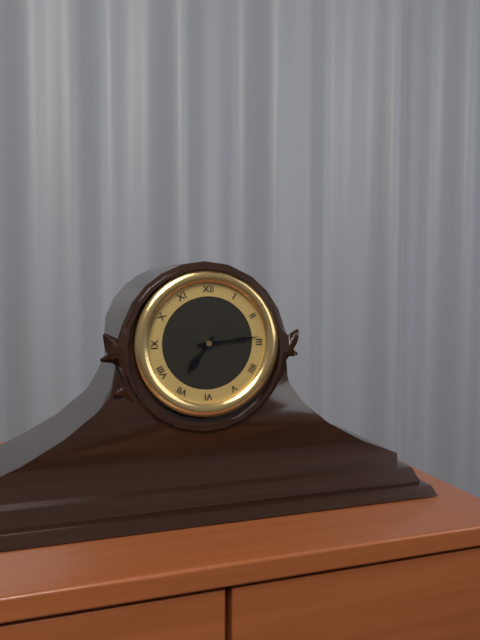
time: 7:14
